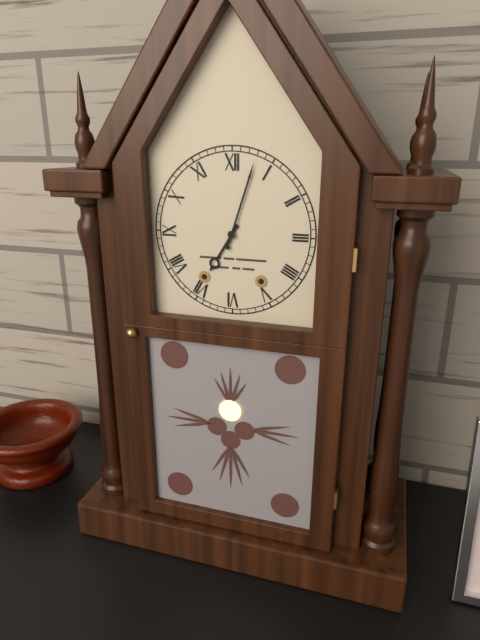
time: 7:03
